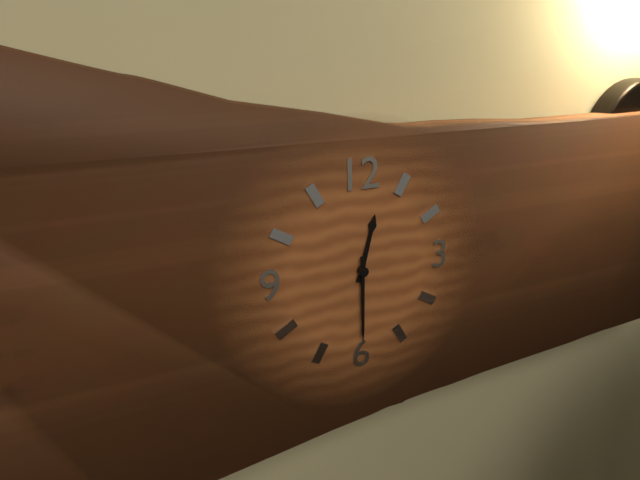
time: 12:30
